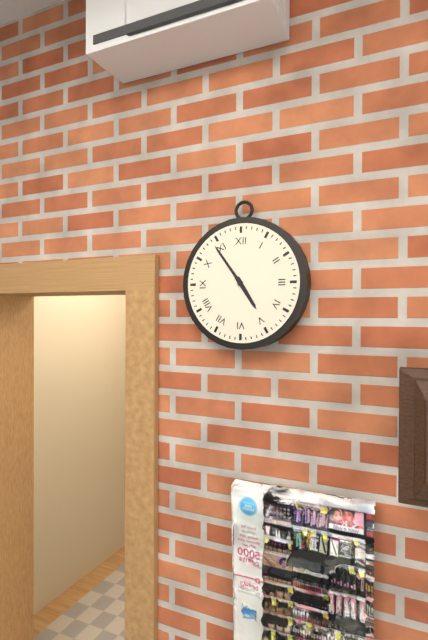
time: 4:54
